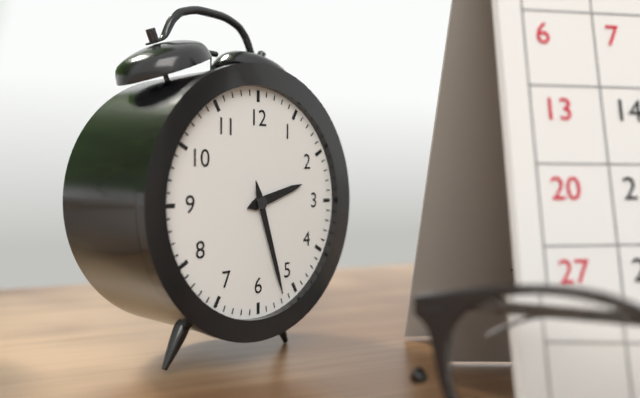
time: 2:27
